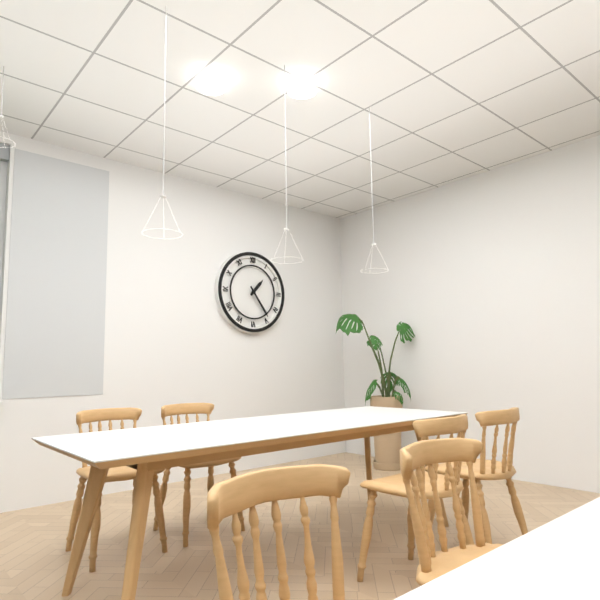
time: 1:24
